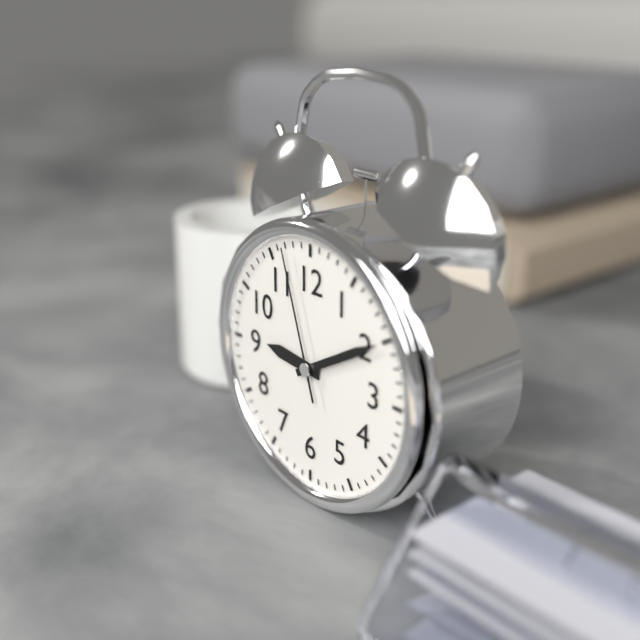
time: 9:10:57
